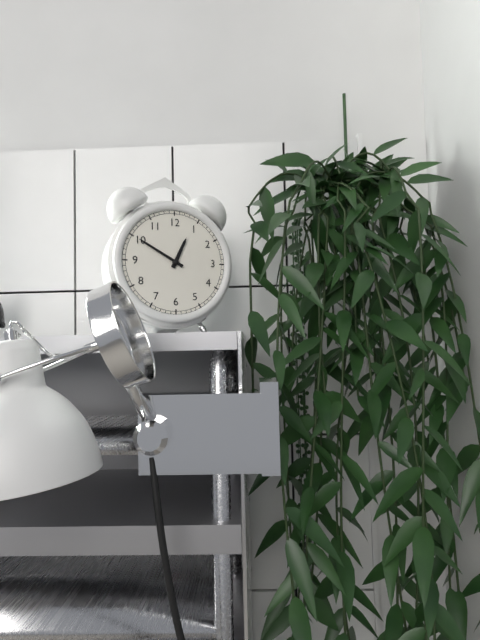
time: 12:50
